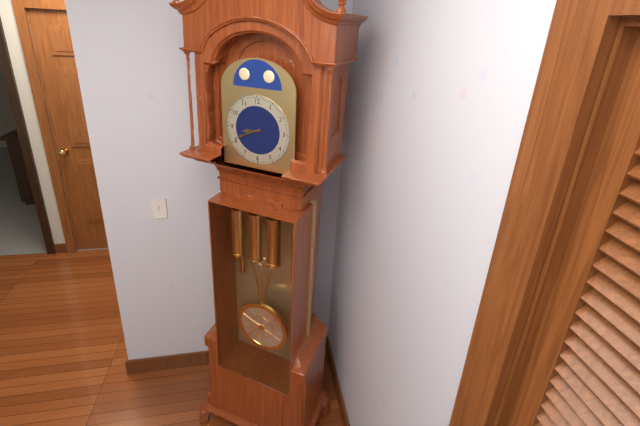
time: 8:41
